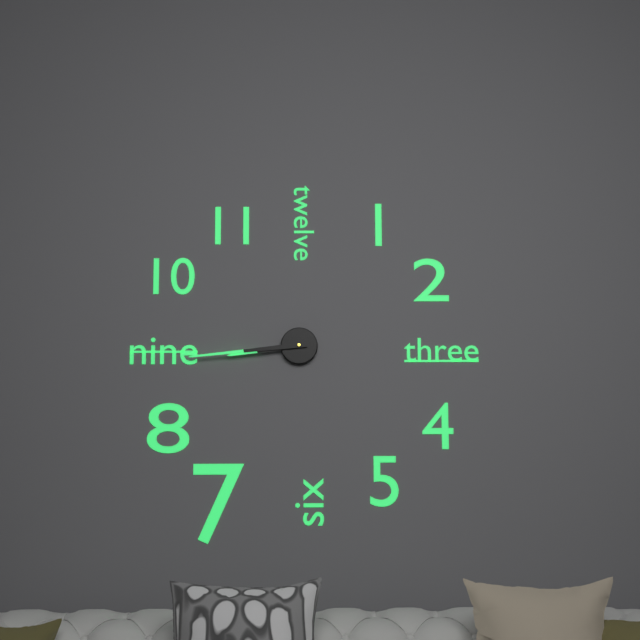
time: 8:44
